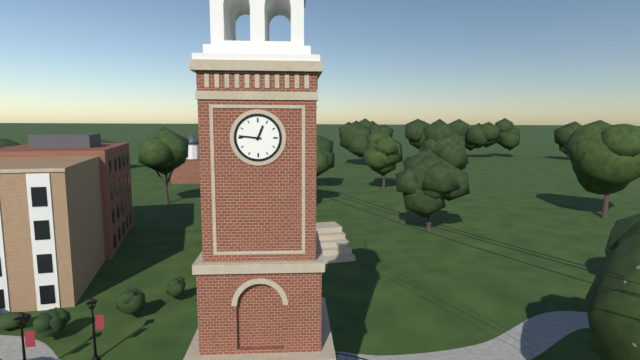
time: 12:46
